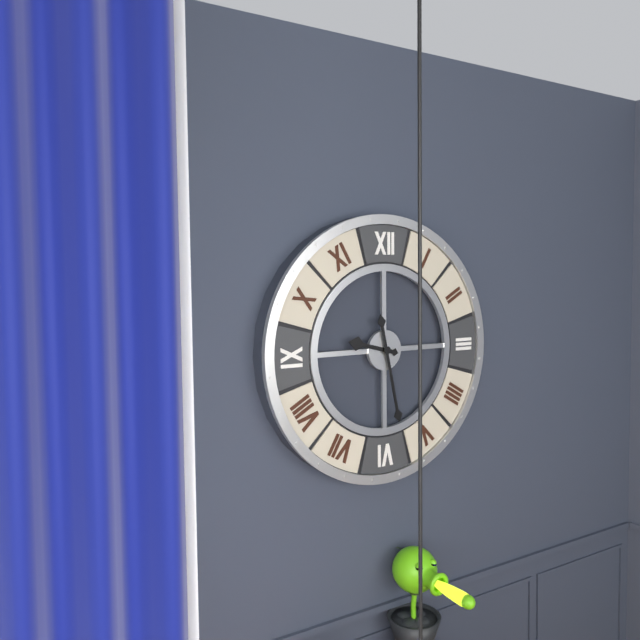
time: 9:28
